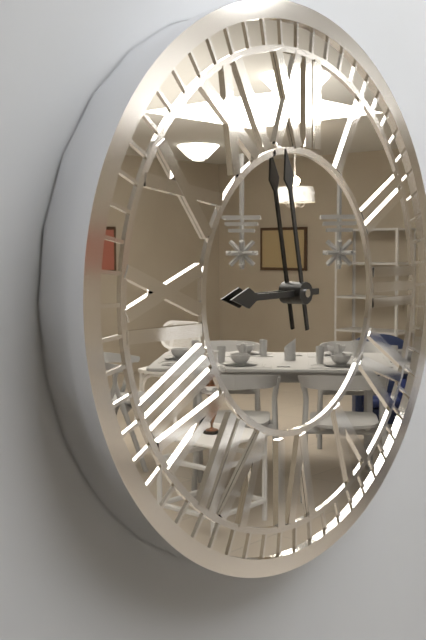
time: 8:58
